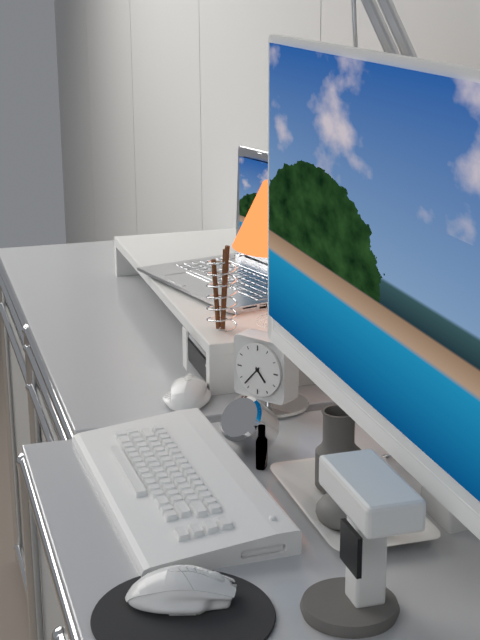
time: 4:37
